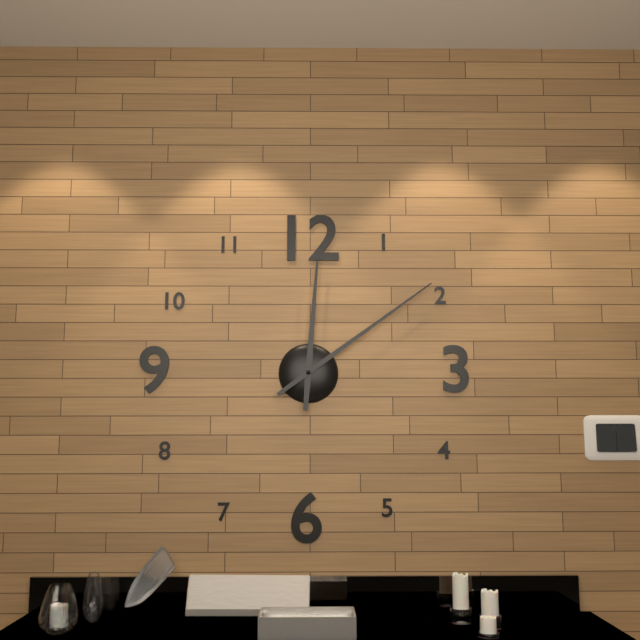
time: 12:09
